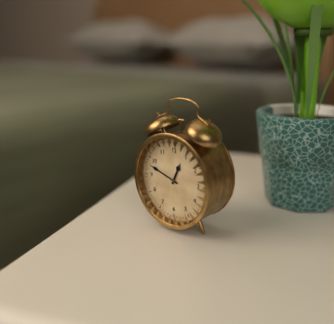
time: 12:48
